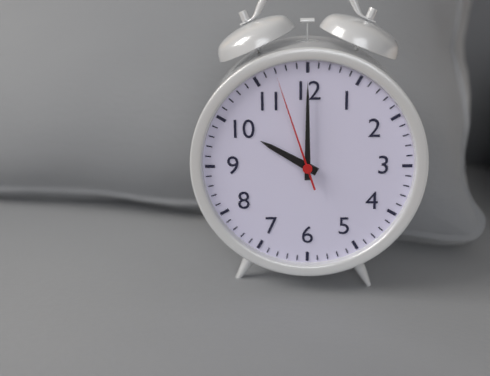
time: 10:00:57
